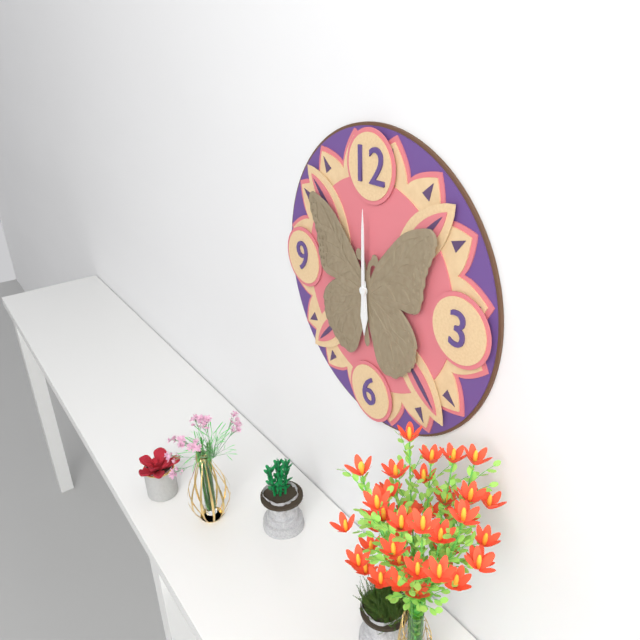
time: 6:00
